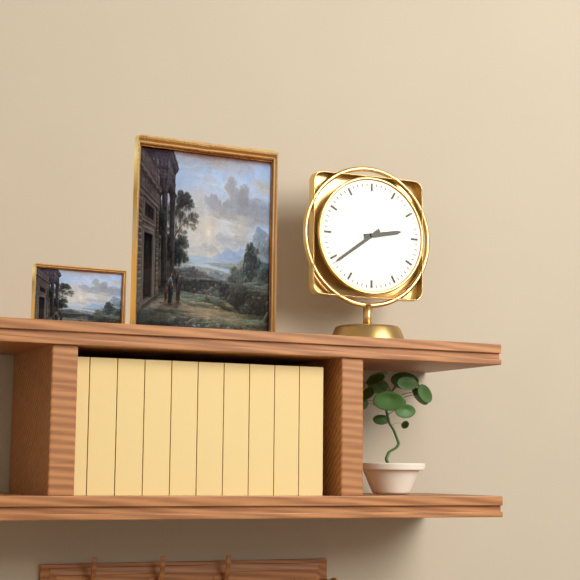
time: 2:39
